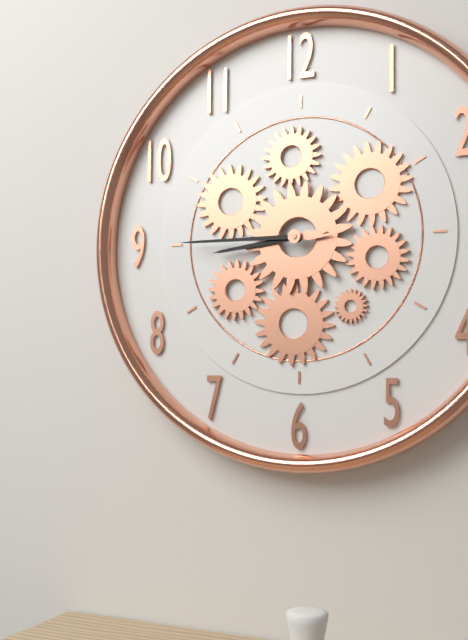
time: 8:45
